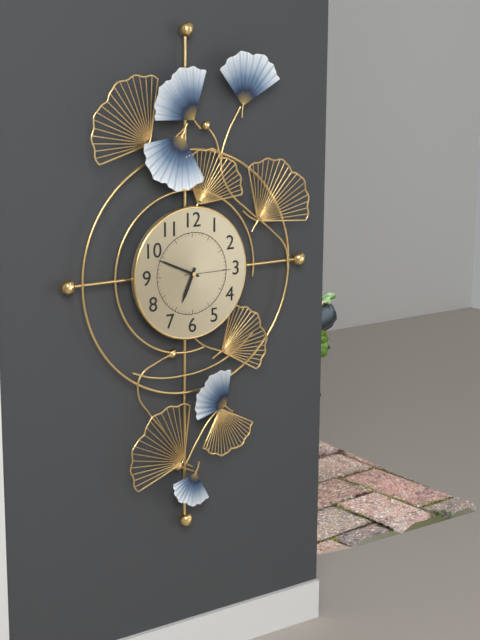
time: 6:49
